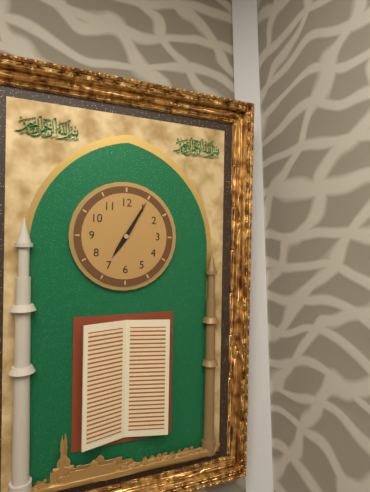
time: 7:05
